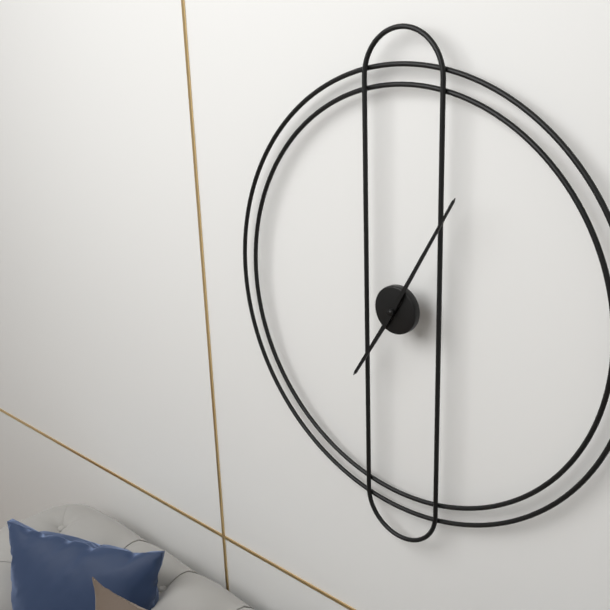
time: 7:05
